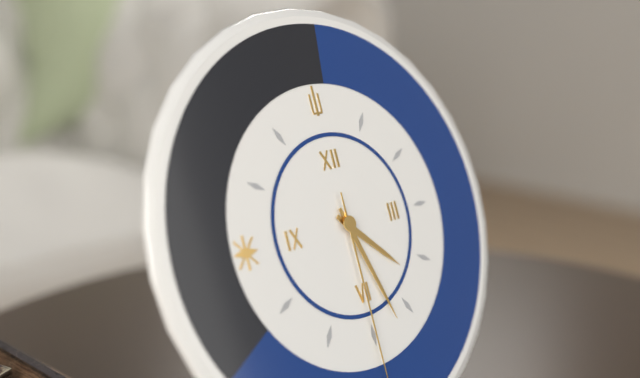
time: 4:27
